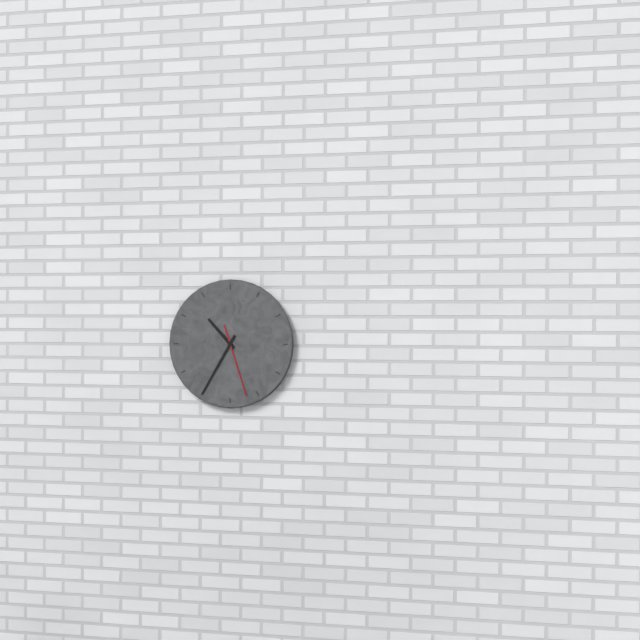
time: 10:35:27
